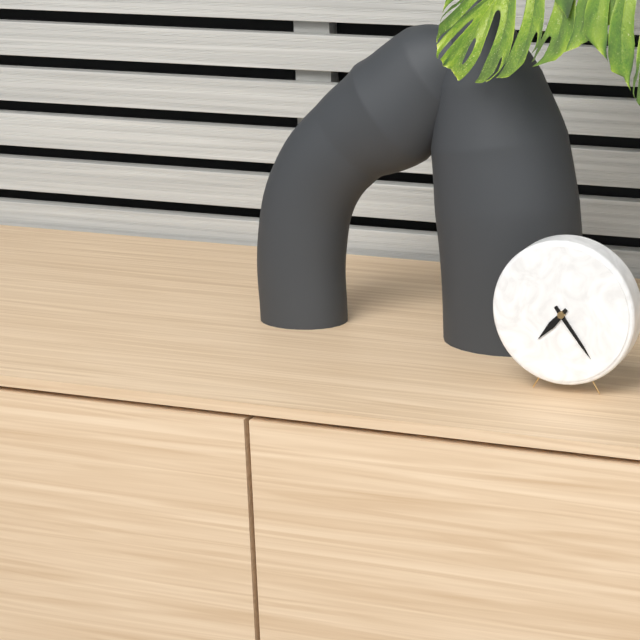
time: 7:24
